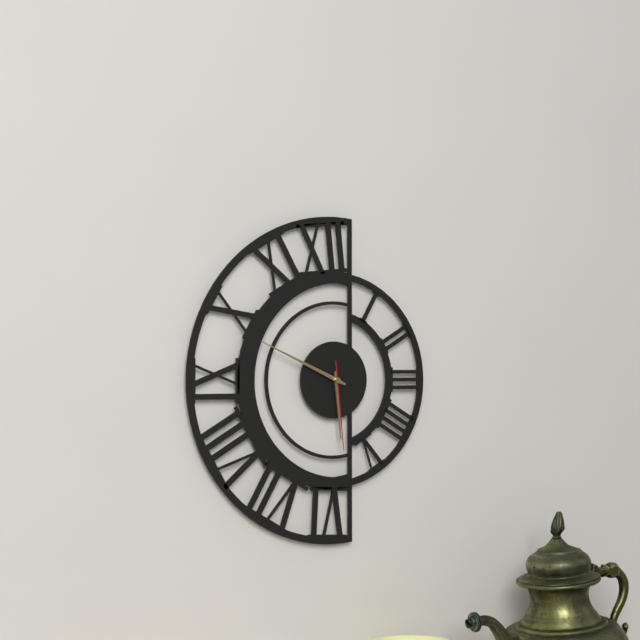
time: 5:49:29
